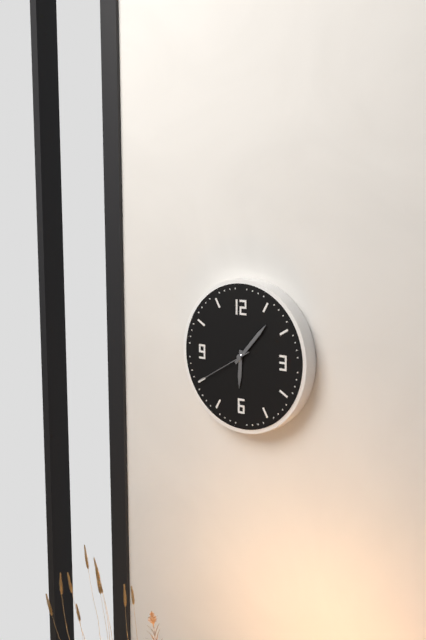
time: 6:07:40
